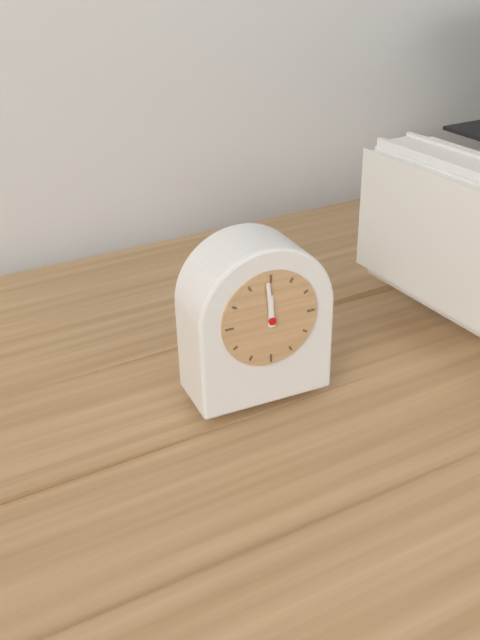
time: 11:59
